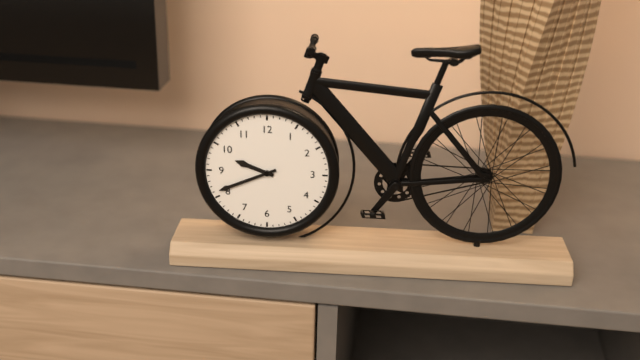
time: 9:41
